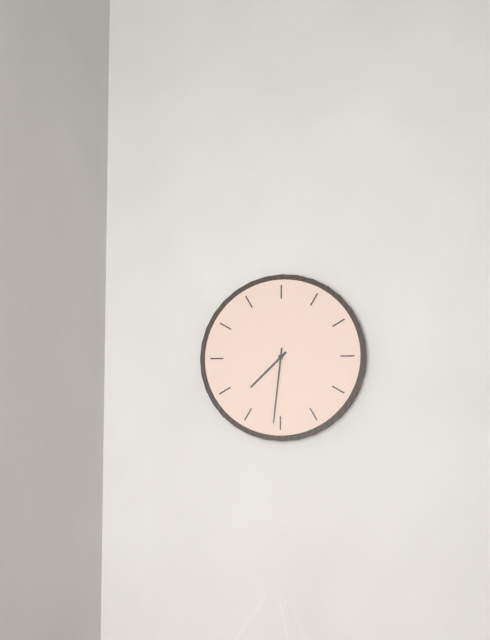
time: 7:31
